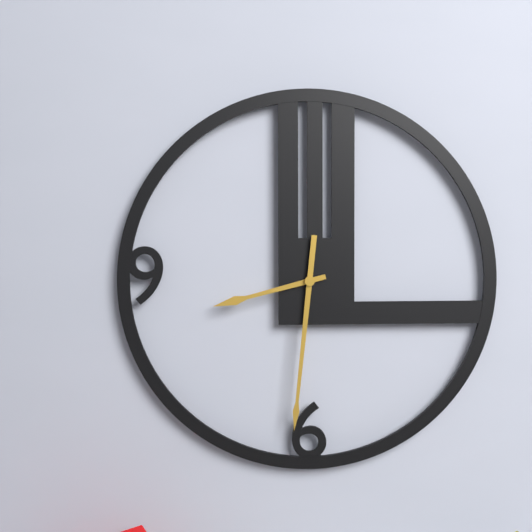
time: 8:31
